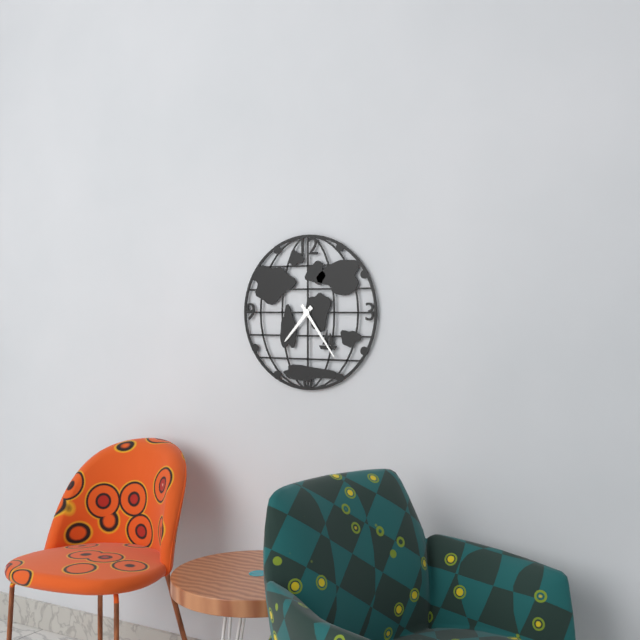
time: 7:24
